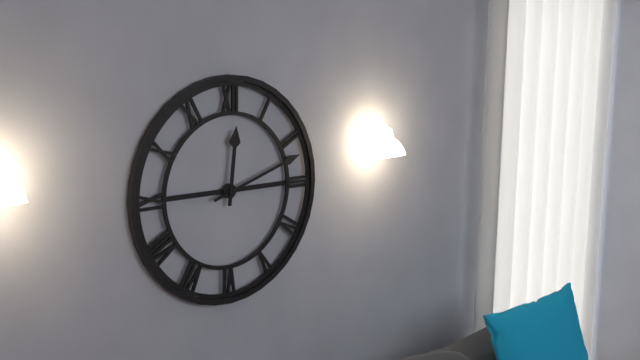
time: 12:12
